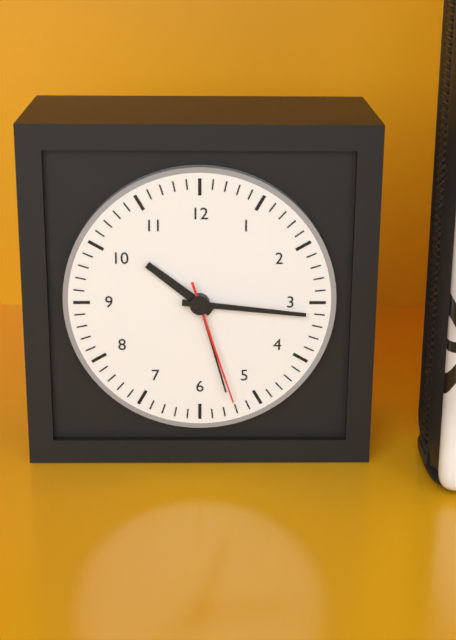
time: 10:16:27
